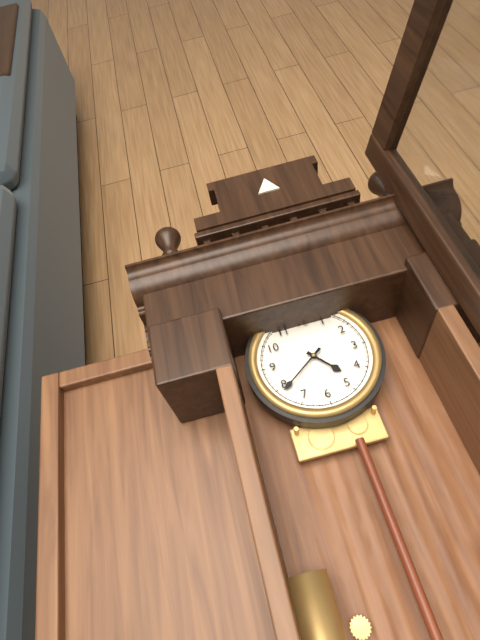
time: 4:39
